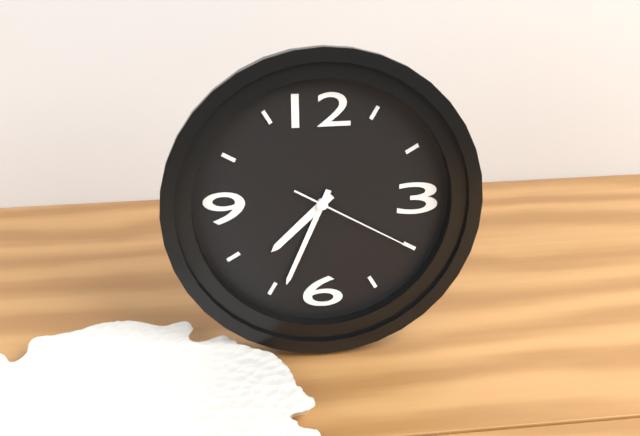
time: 7:34:20
